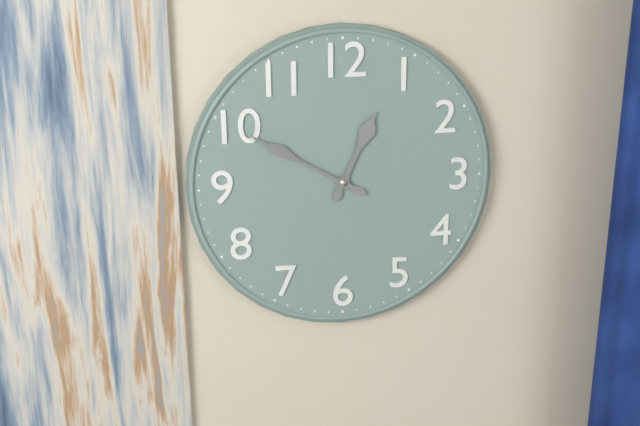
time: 12:50
